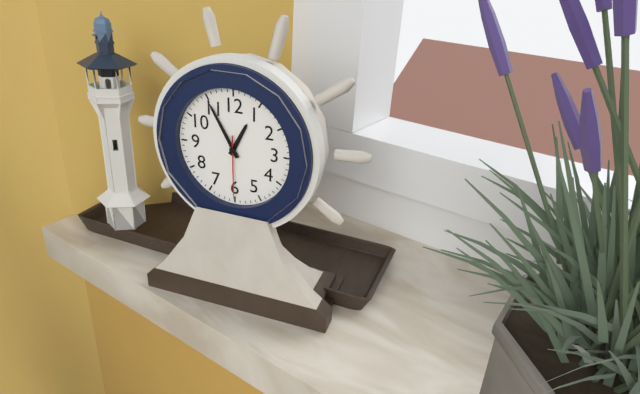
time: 12:55:30
